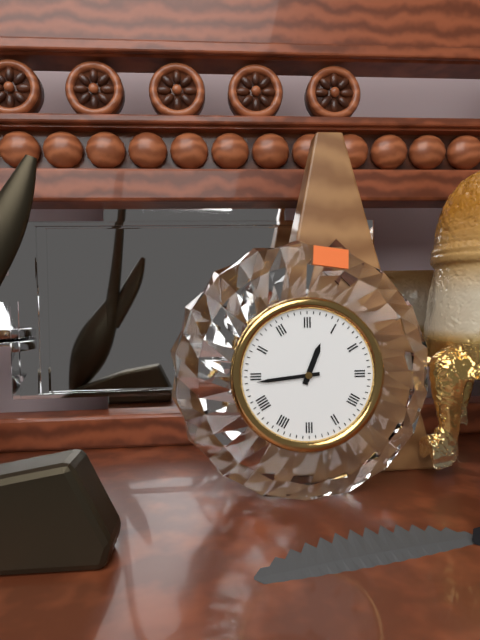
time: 12:44
